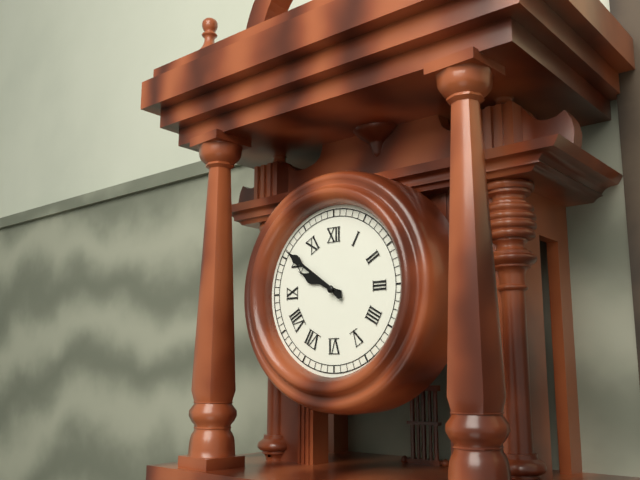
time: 9:51
